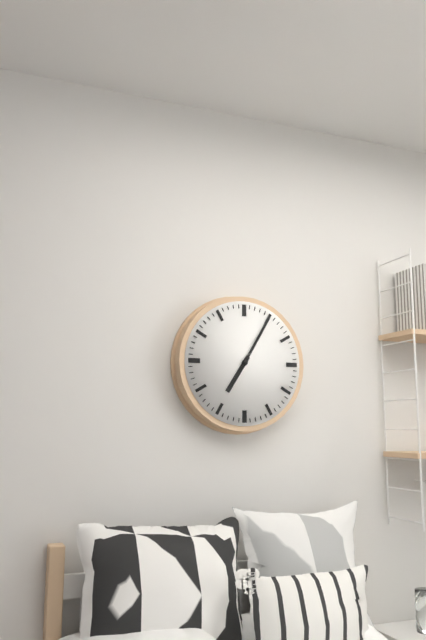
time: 7:05
